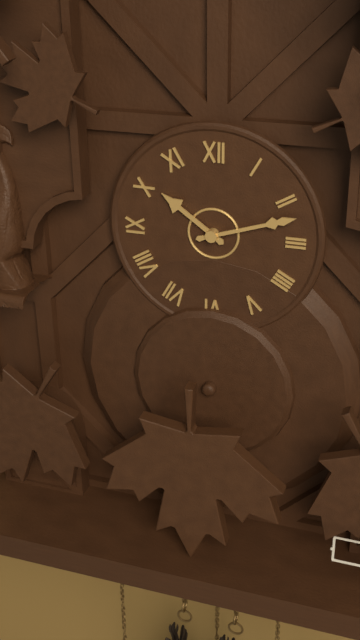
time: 10:12
